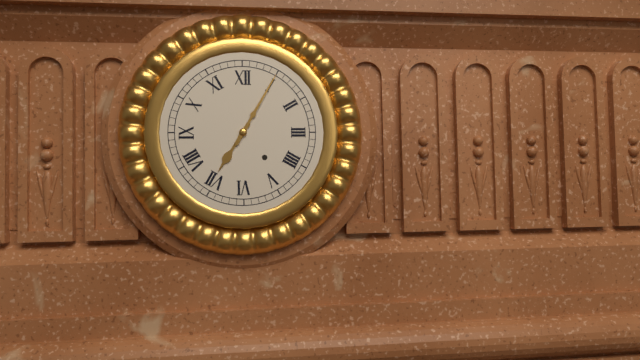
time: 7:05
